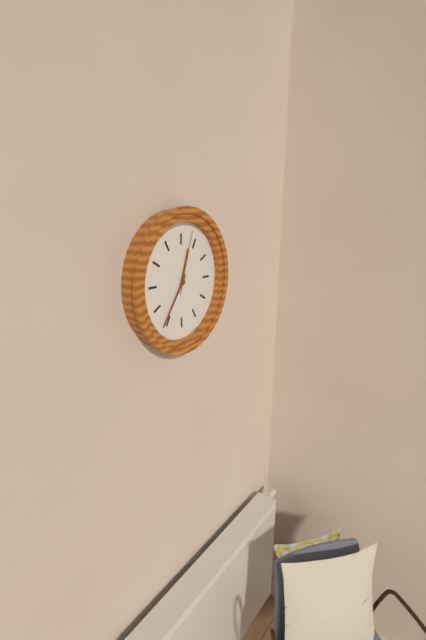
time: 12:36:03
